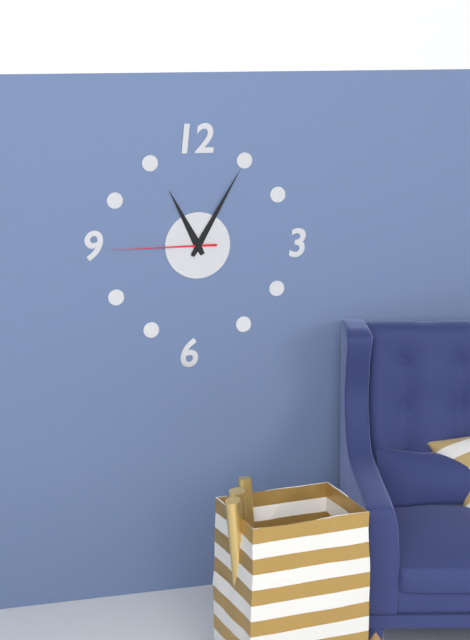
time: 11:05:45
